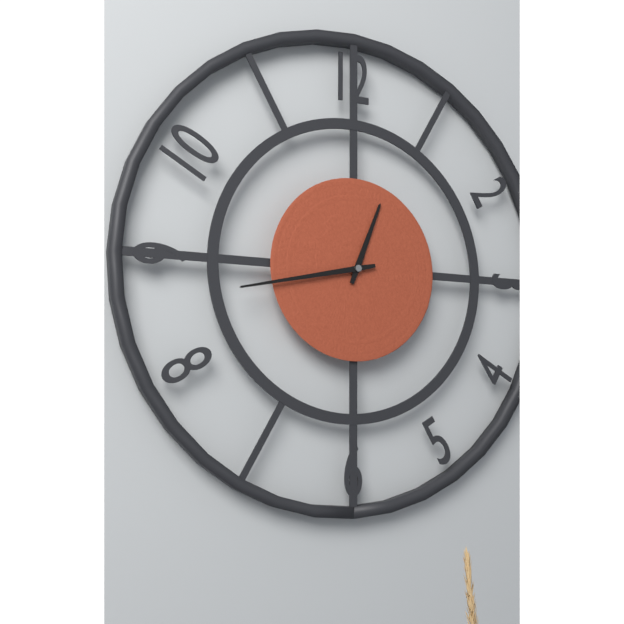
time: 12:43
